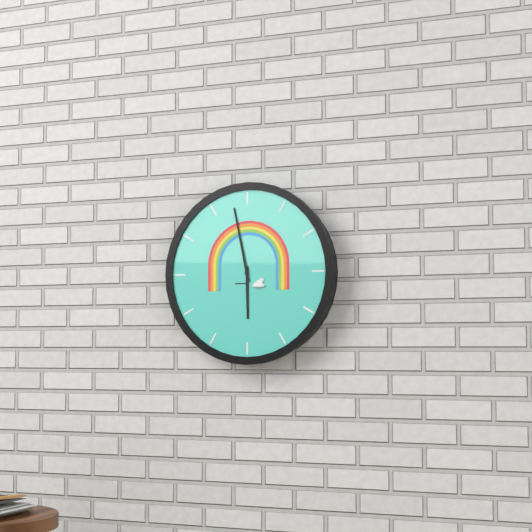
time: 5:58
